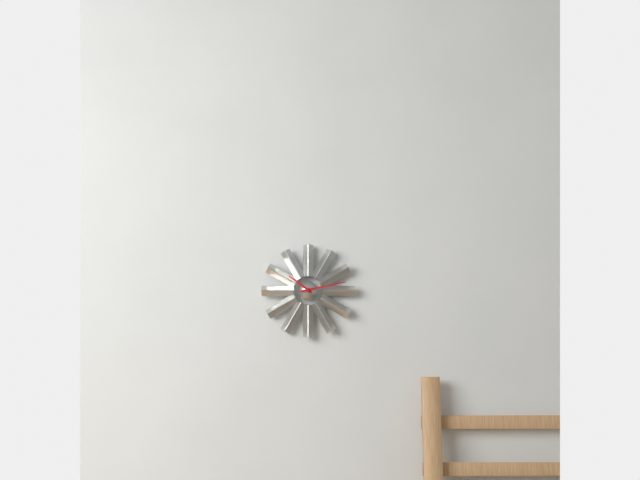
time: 10:13
